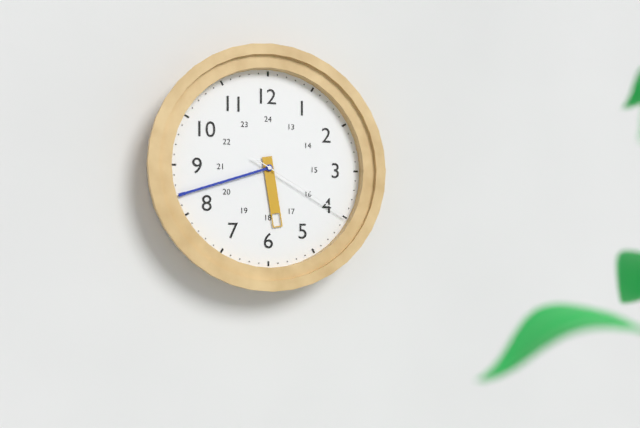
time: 5:42:20
